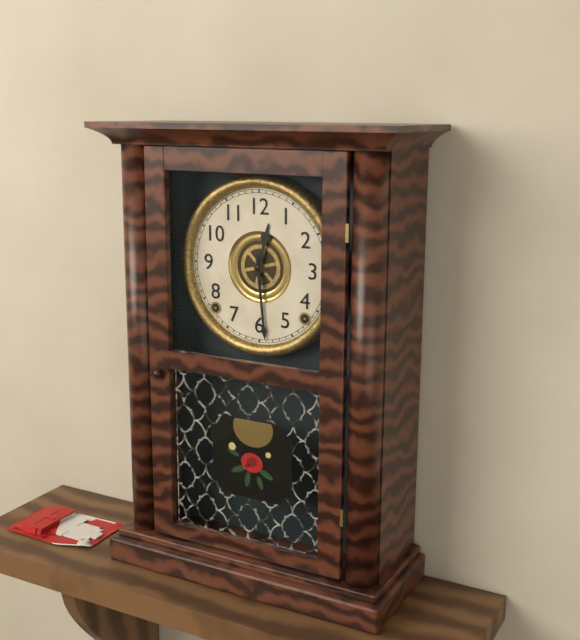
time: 12:29
